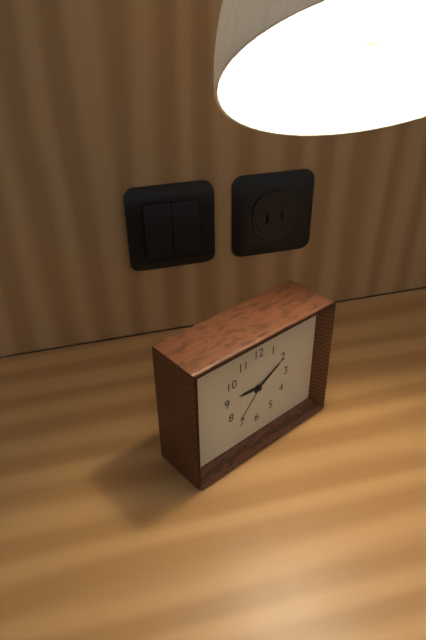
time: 9:10:37
